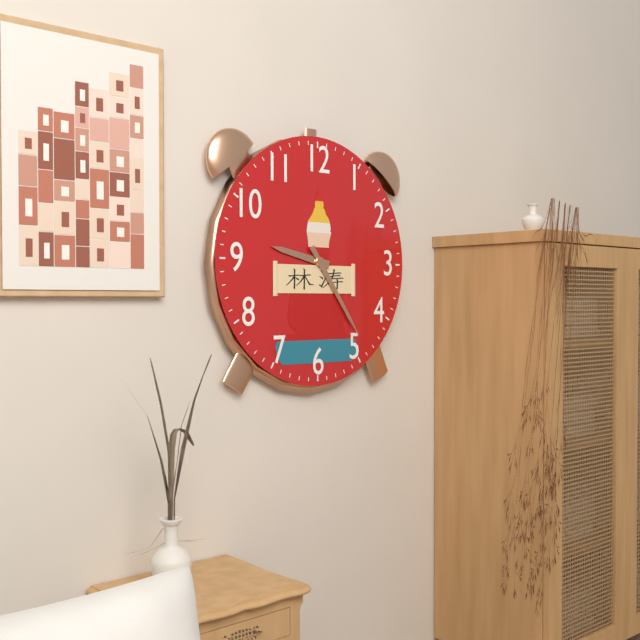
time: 9:24
